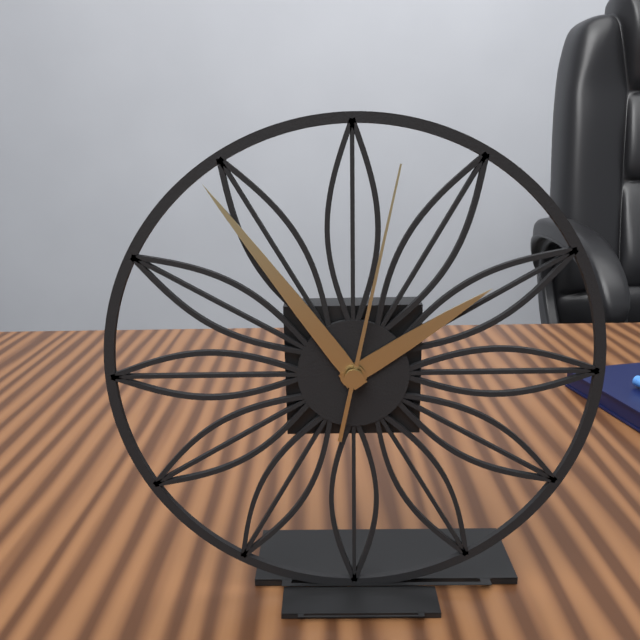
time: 1:54:02
